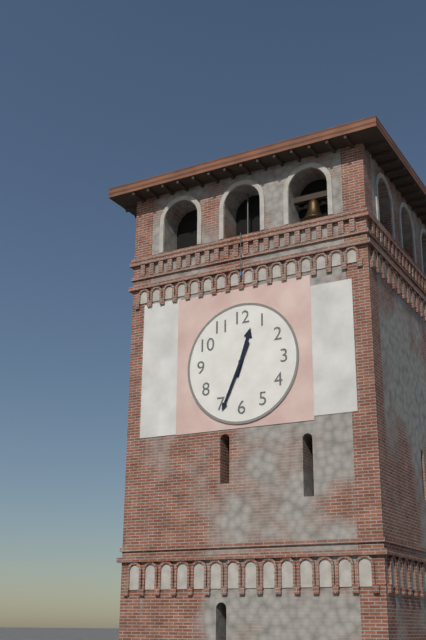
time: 12:34
